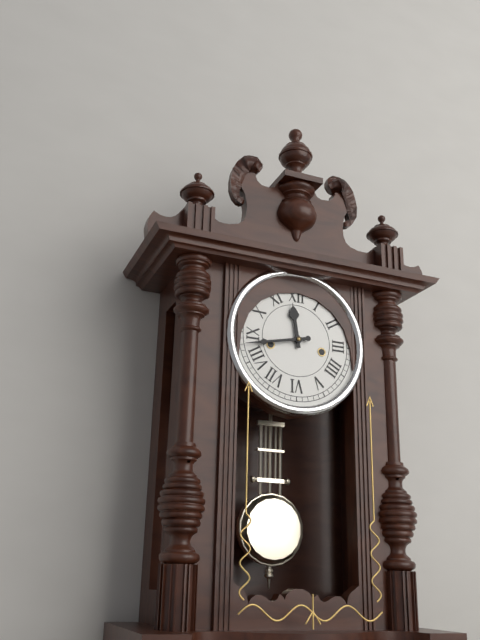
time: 11:43
